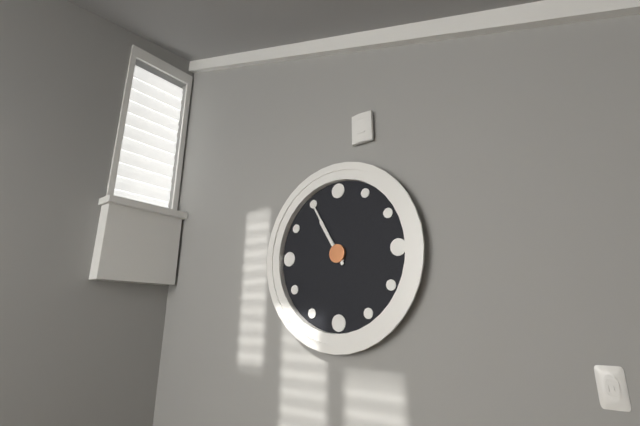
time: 10:55
